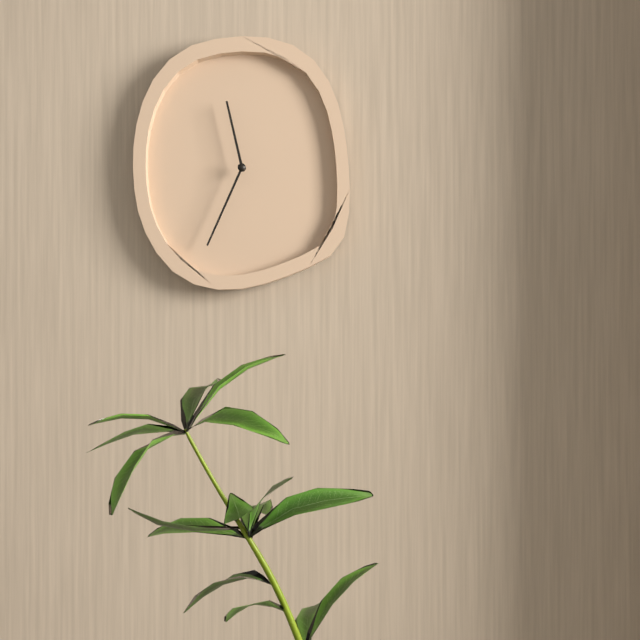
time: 11:34
